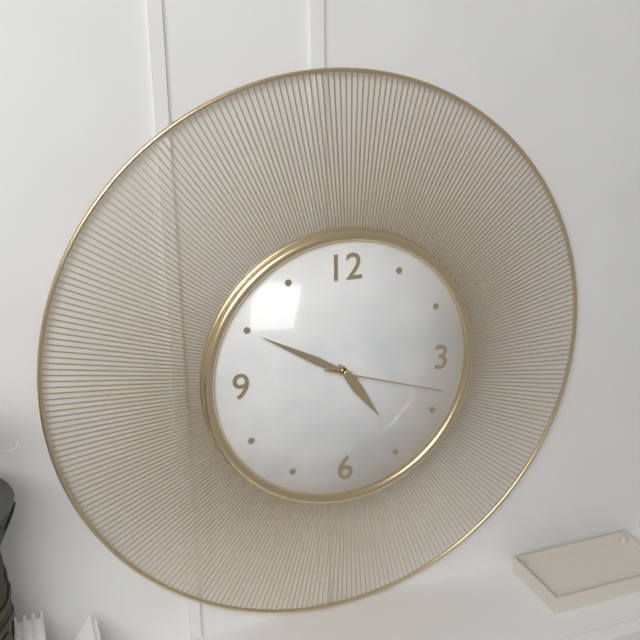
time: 4:50:18
